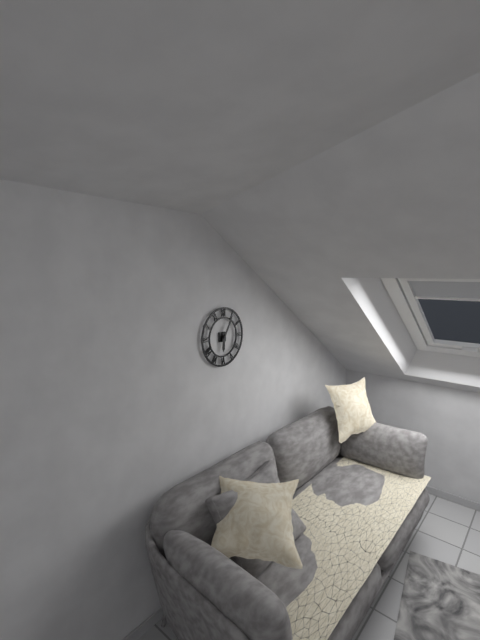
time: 6:05
